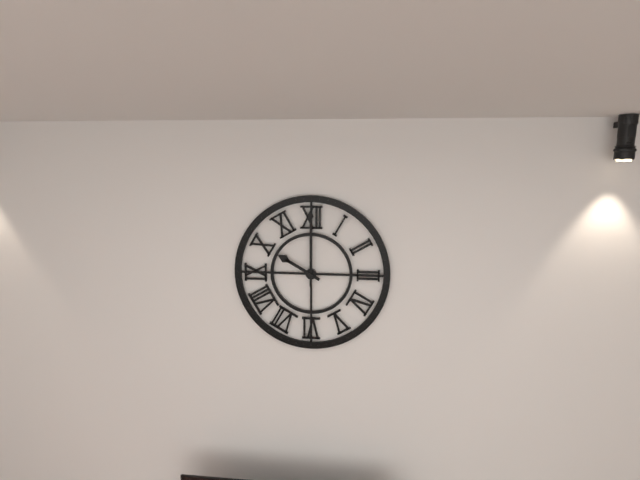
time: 10:00
